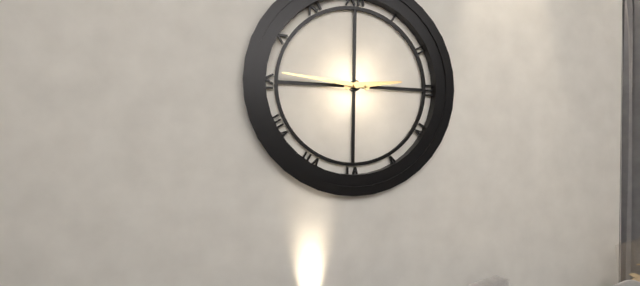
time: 2:46
